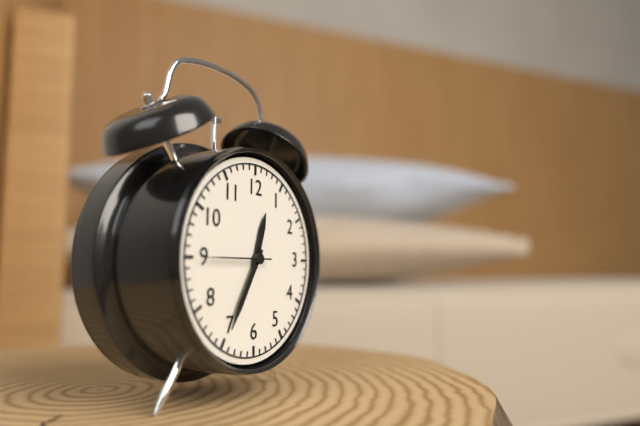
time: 12:35:45
